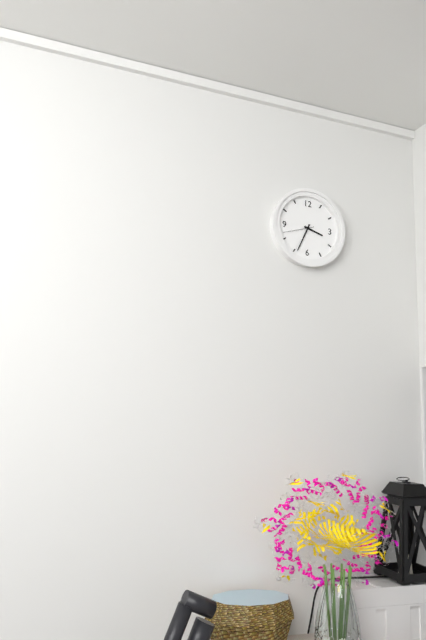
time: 3:34
